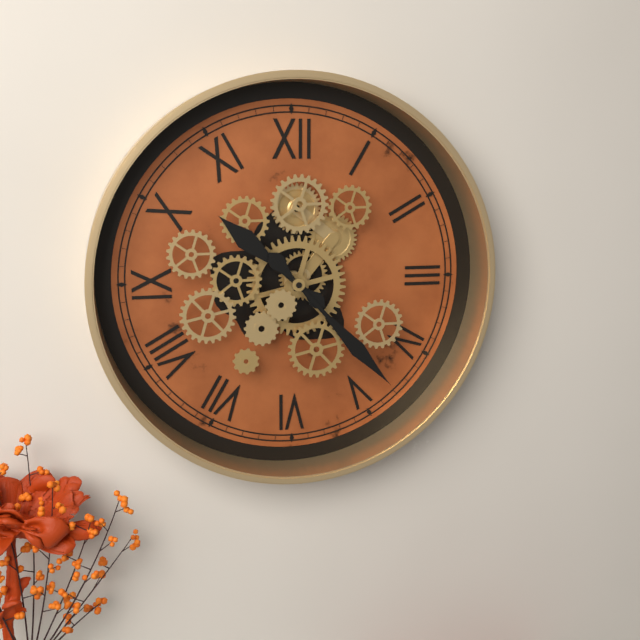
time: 10:23
